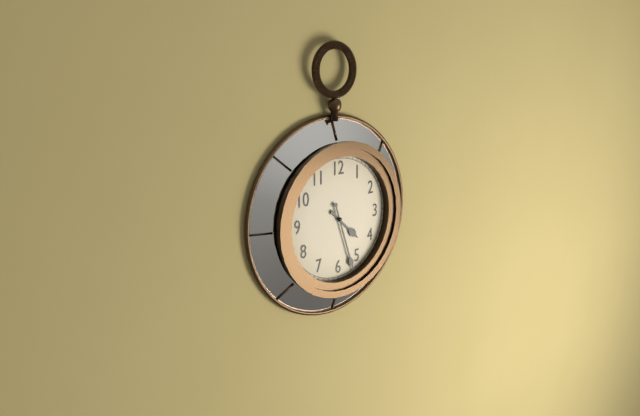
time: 4:27
